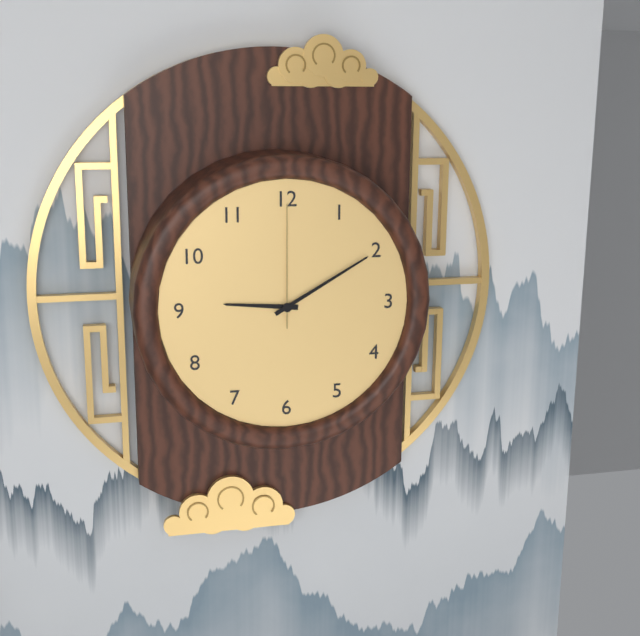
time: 9:10:00
